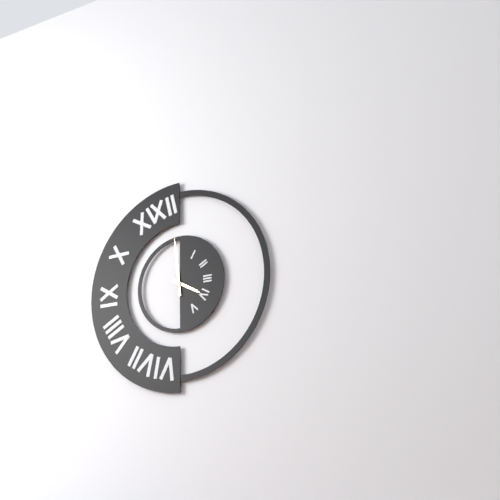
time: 3:59
